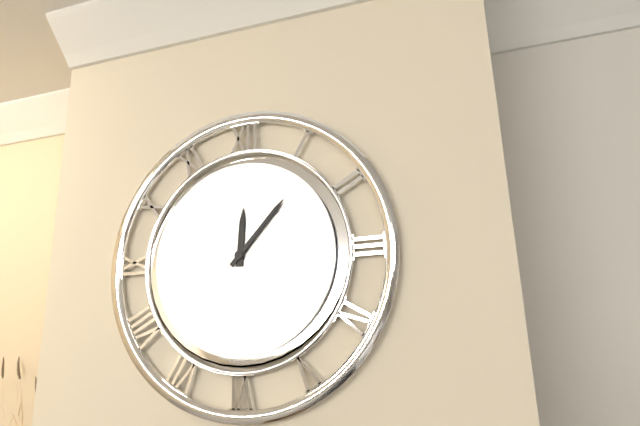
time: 12:07
